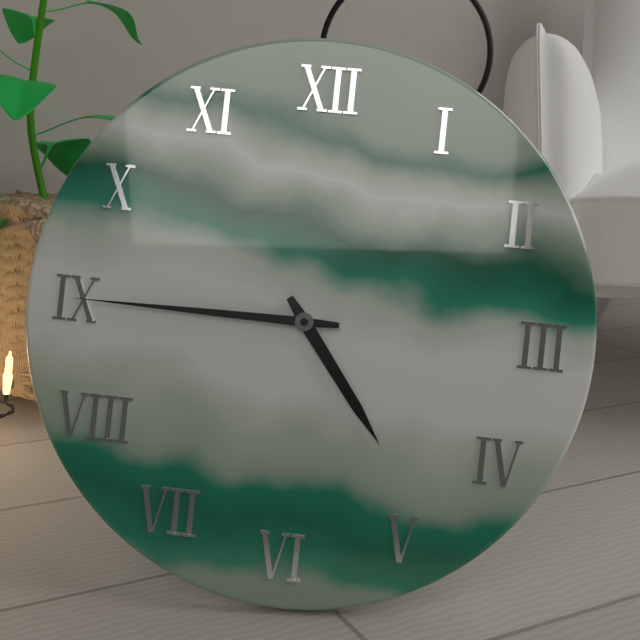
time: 4:45
